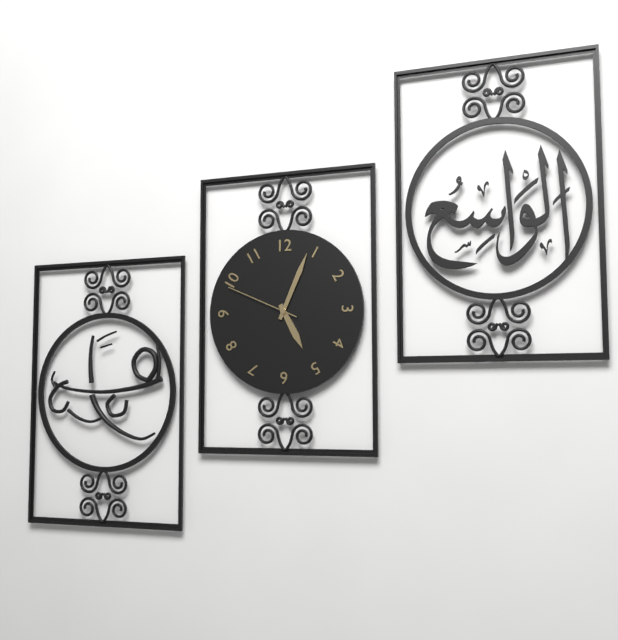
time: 5:04:49
